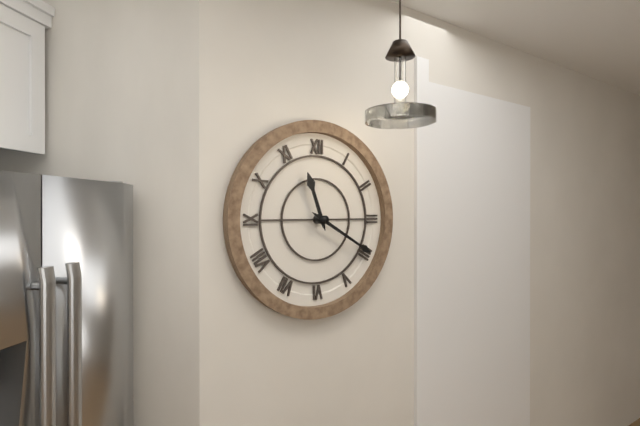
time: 11:20
